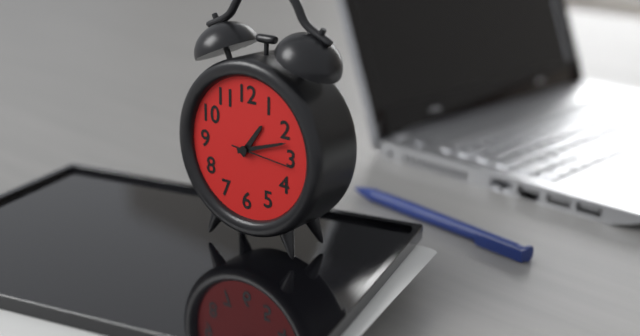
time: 1:12:16
